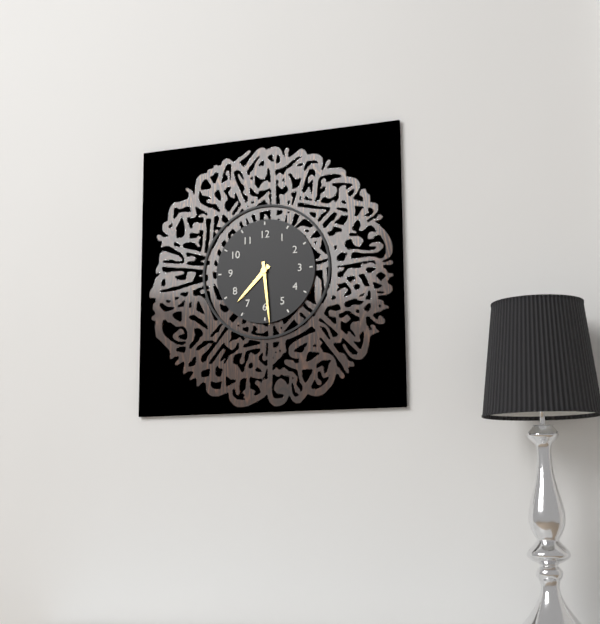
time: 7:29
